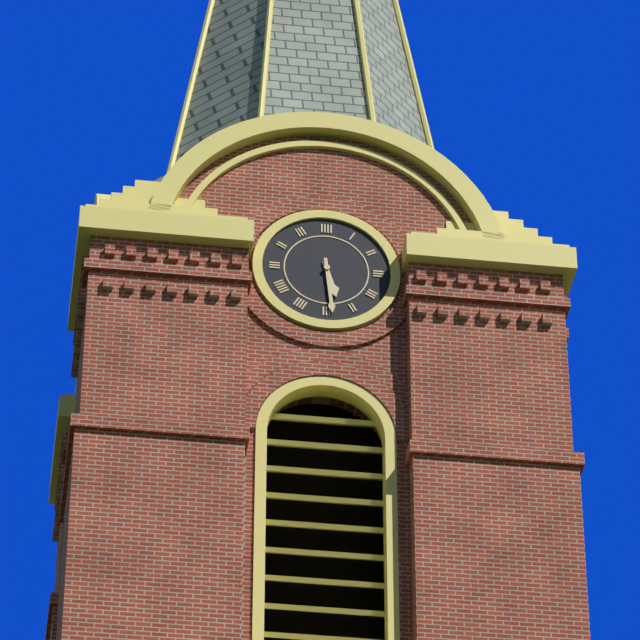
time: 5:29
